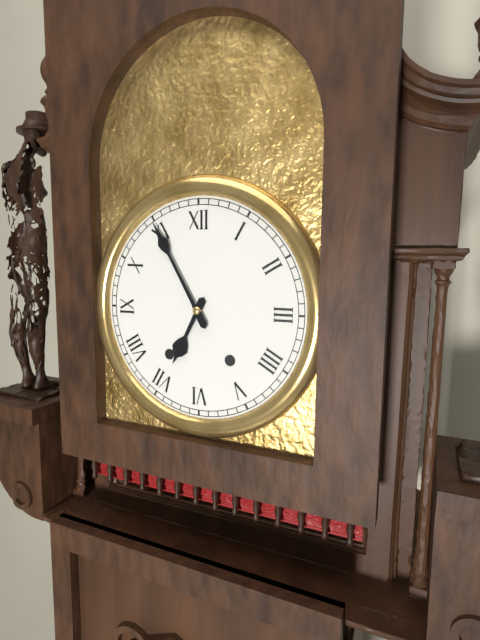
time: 6:55
